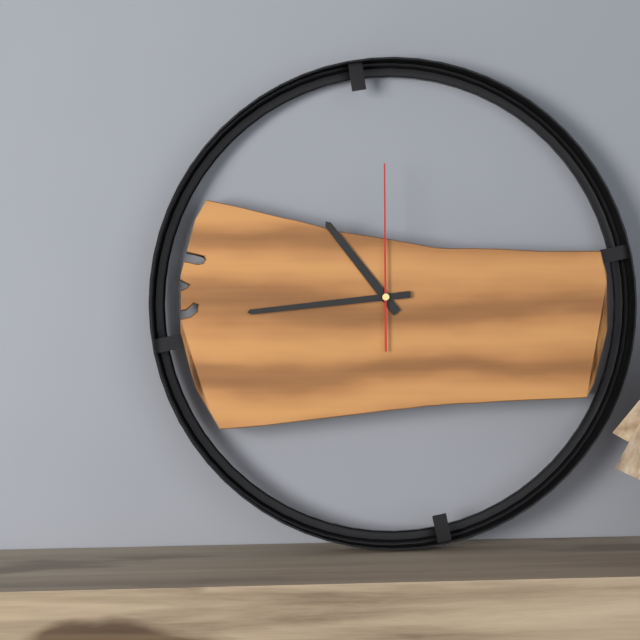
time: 10:44:00
